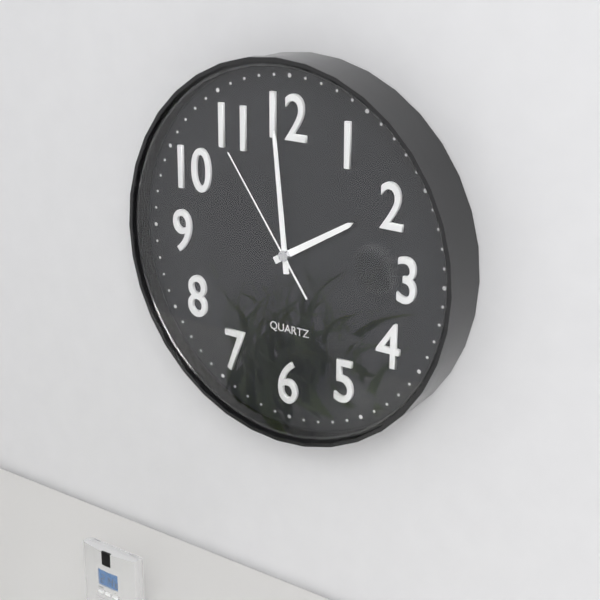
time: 1:59:54
